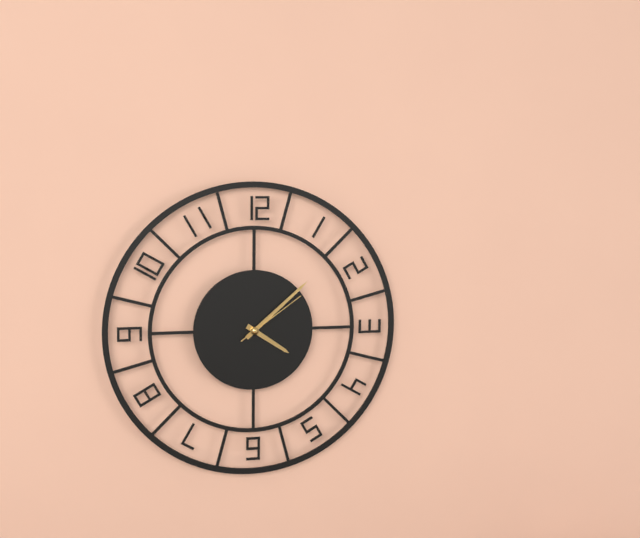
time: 4:08:09
